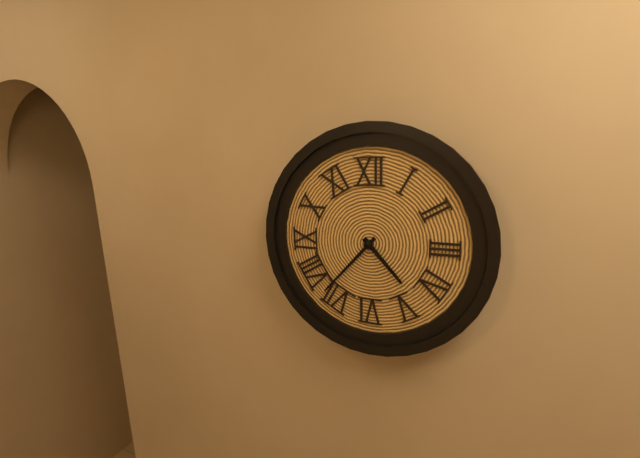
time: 4:37
